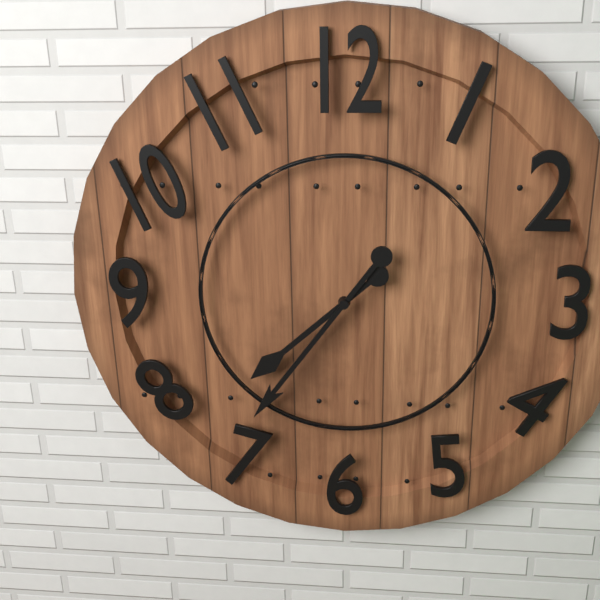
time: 7:36
